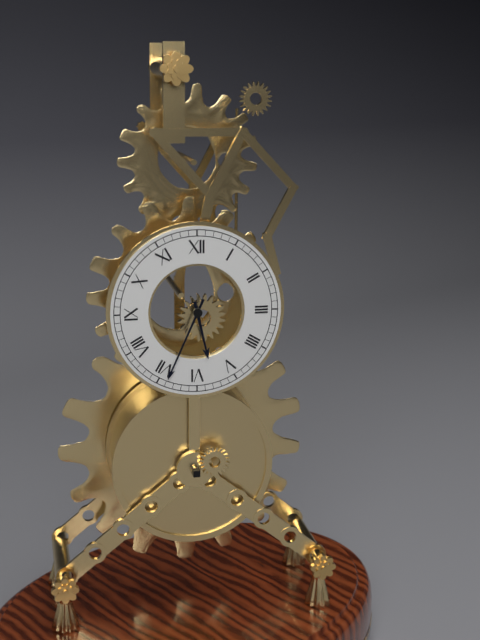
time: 5:34
